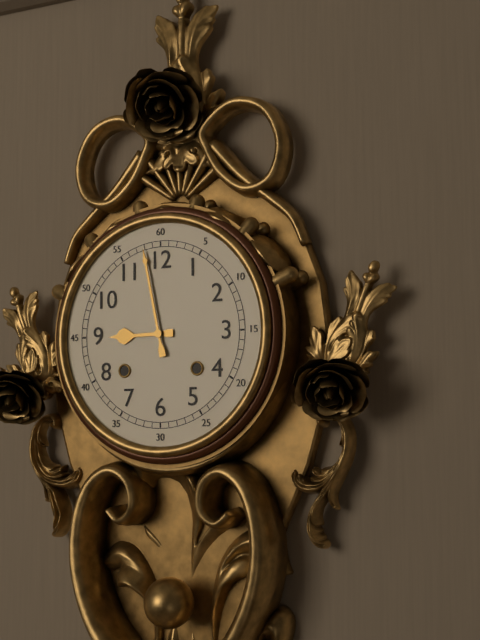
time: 8:58
